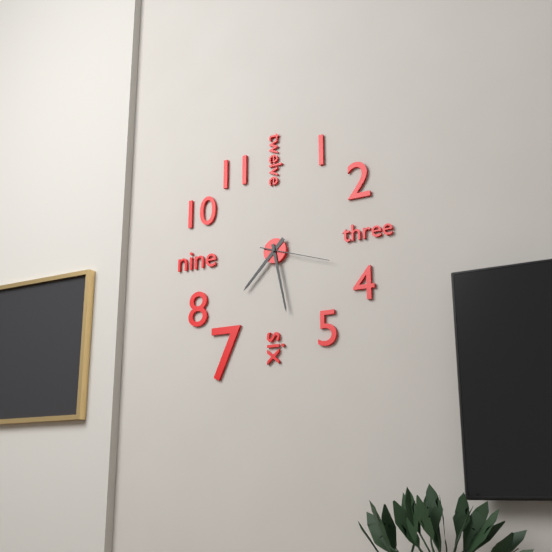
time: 7:28:18
